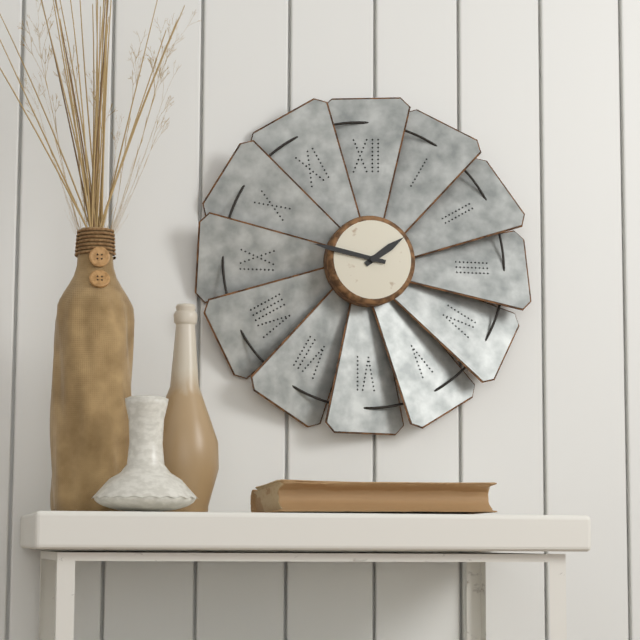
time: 1:47
